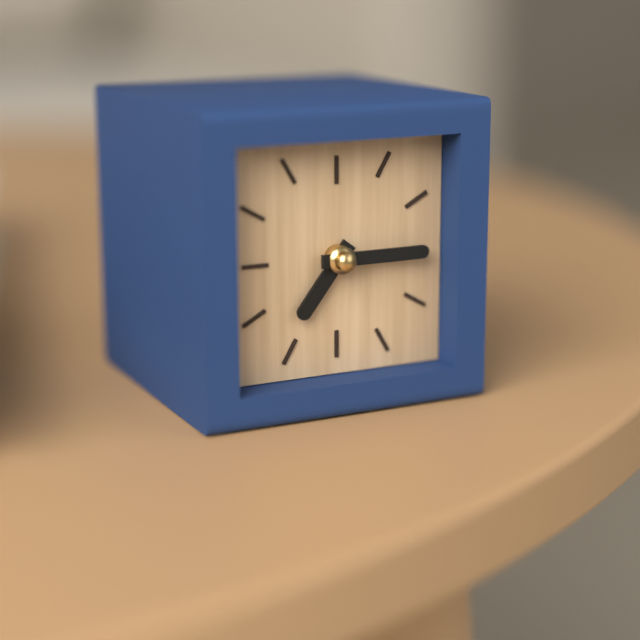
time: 7:15
